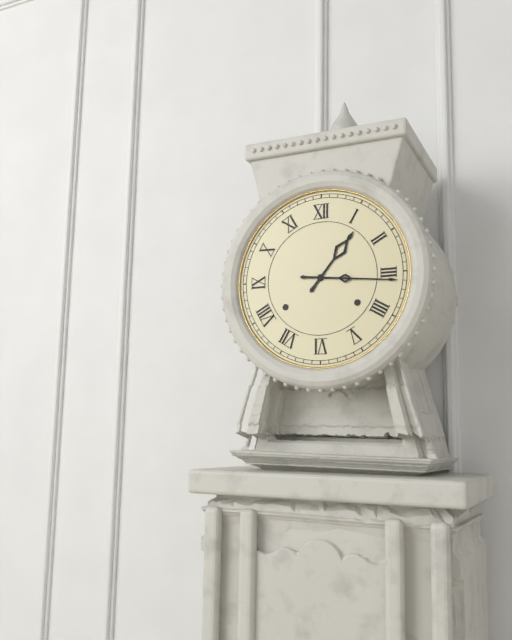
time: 1:16
